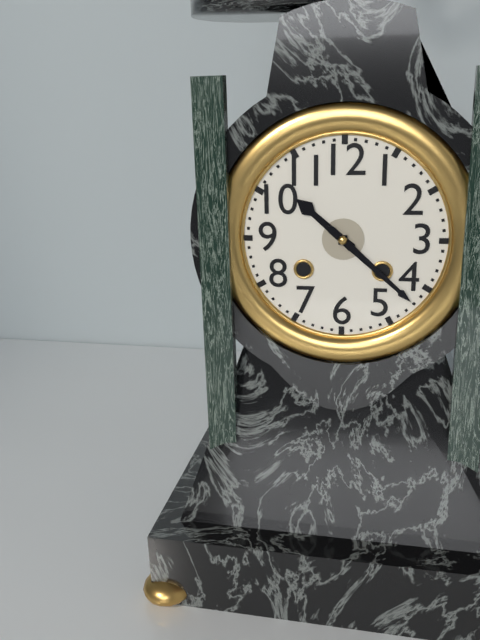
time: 10:22
